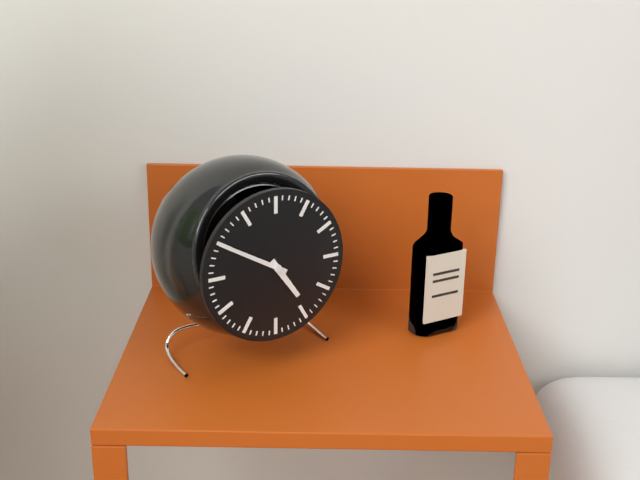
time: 4:50
